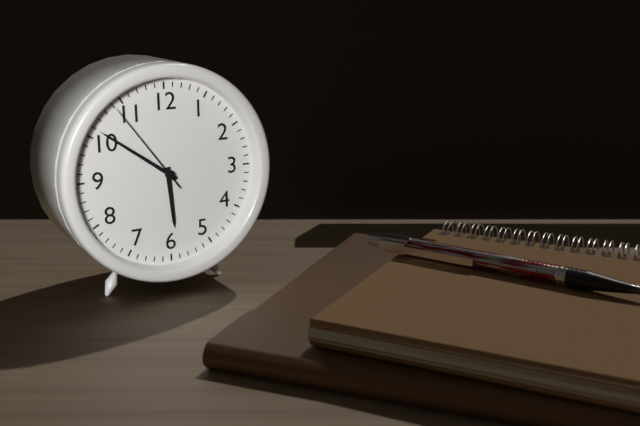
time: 5:51:54
